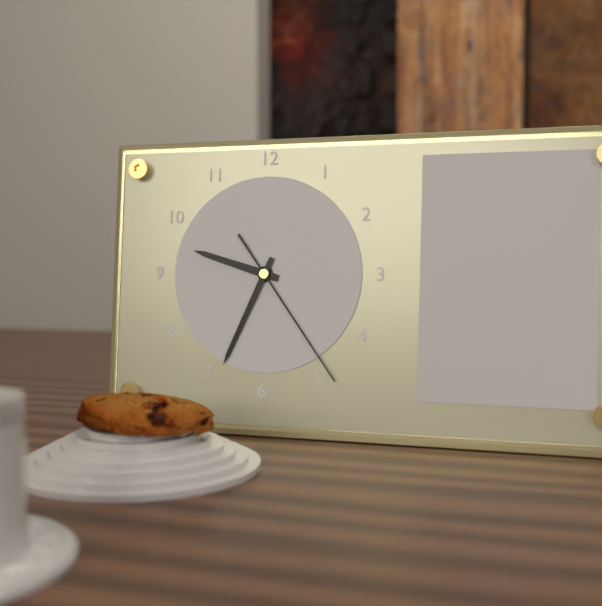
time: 9:34:24
